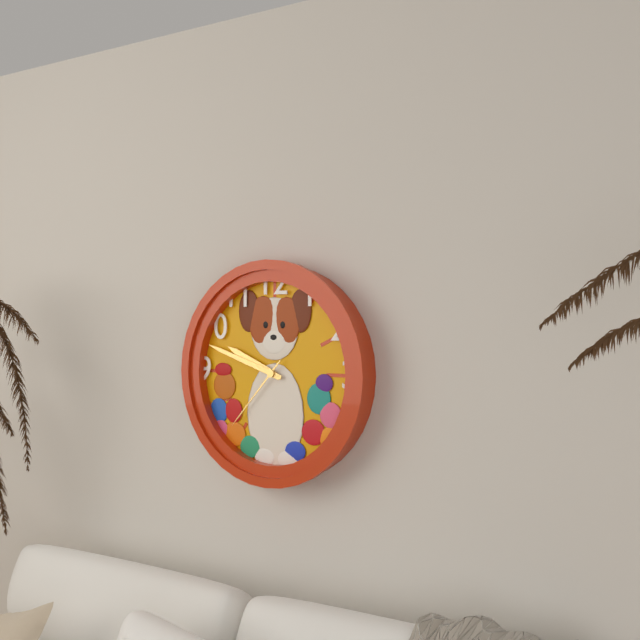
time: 9:48:37
